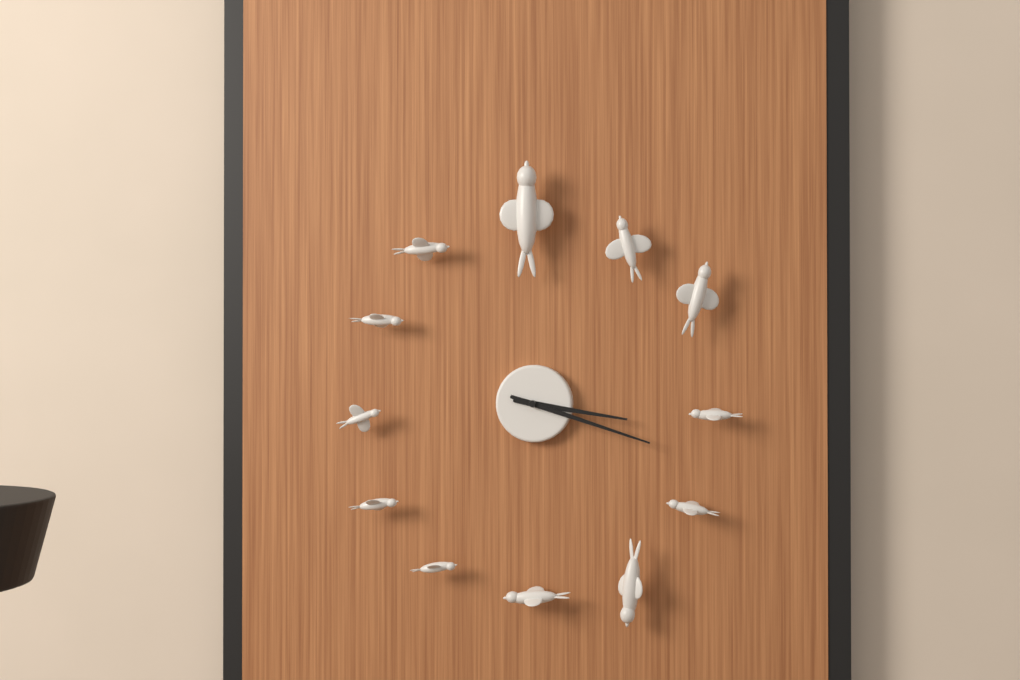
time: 3:18
